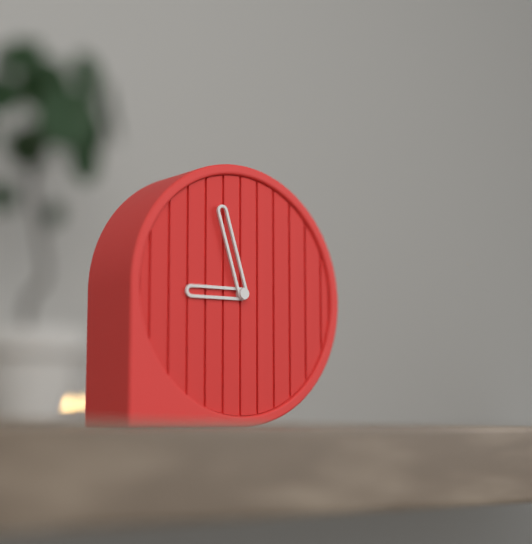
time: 8:57
